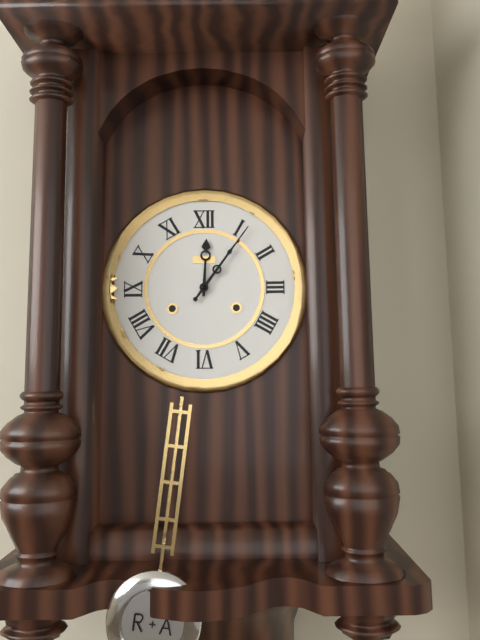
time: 12:06
